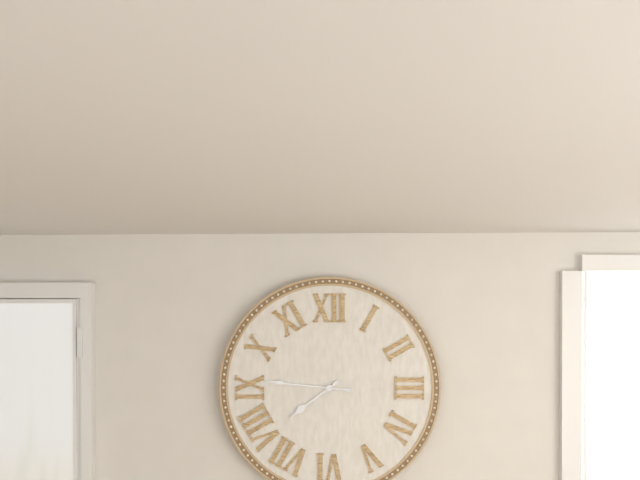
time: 7:46
